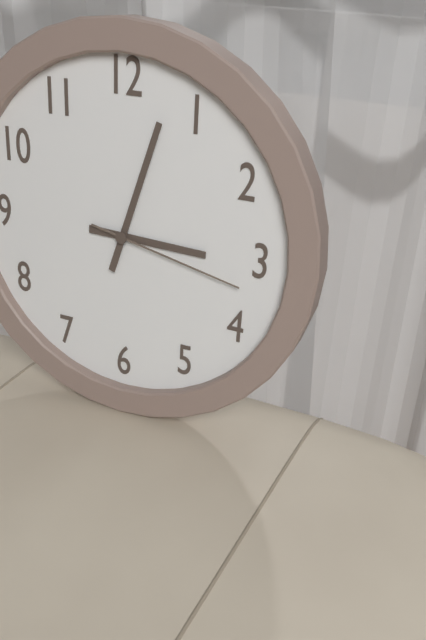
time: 3:03:17
